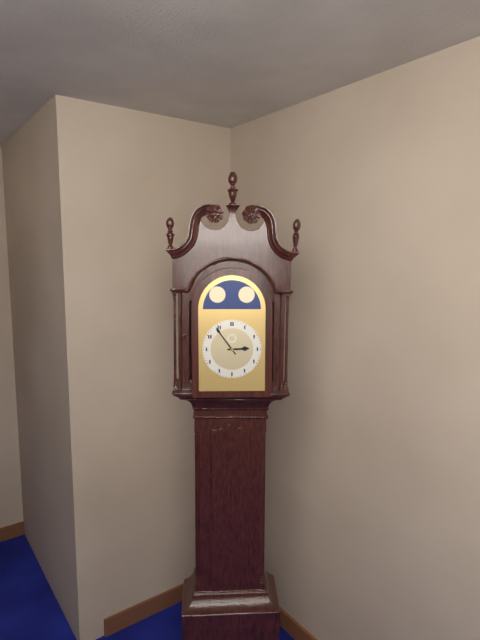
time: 2:54
